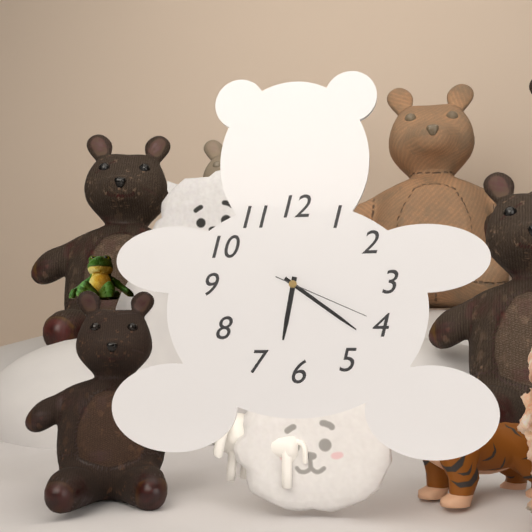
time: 6:21:19
